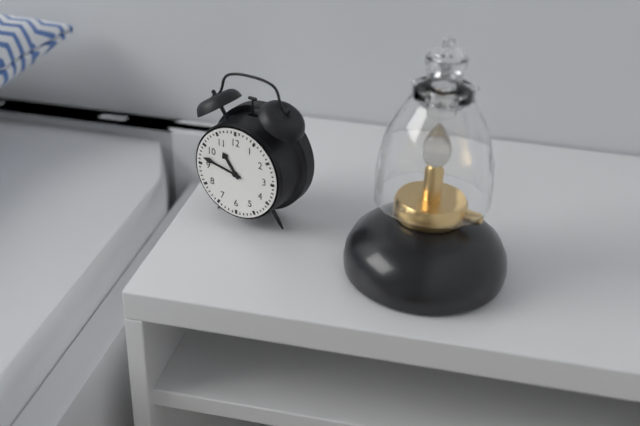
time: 10:47
